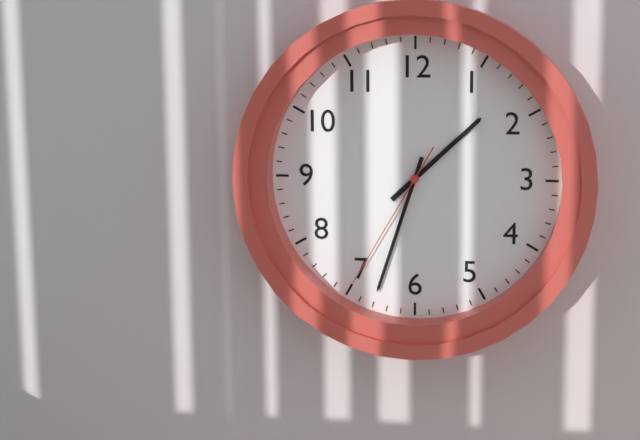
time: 1:33:35
